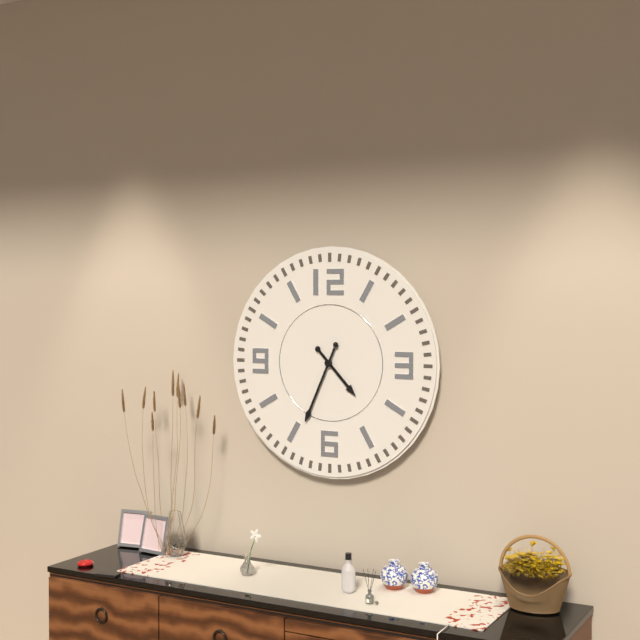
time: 4:34
